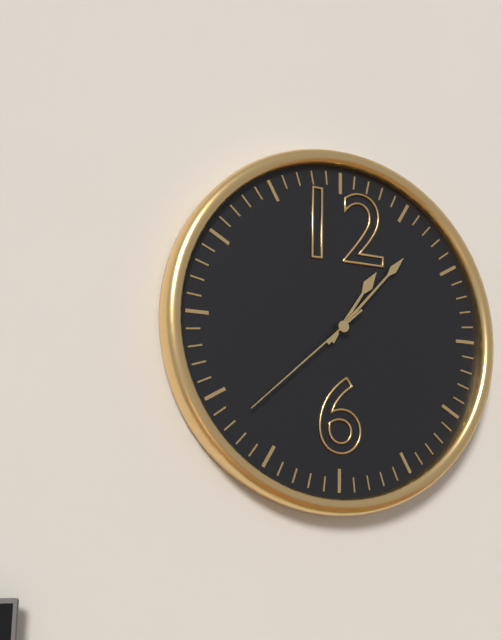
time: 1:07:38
